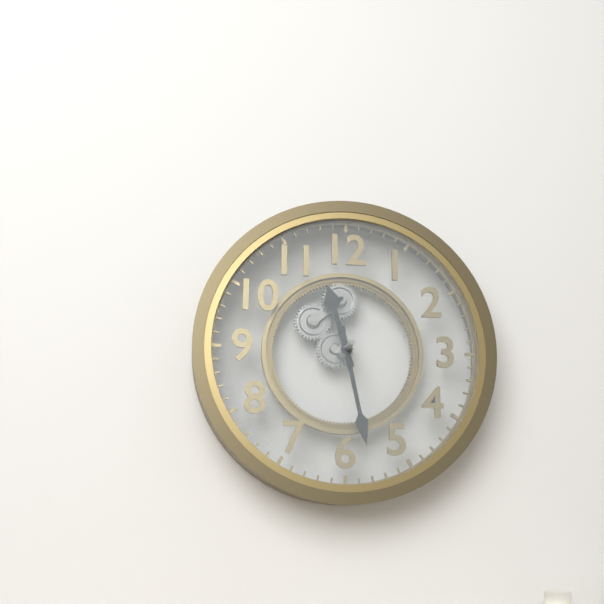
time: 11:28
